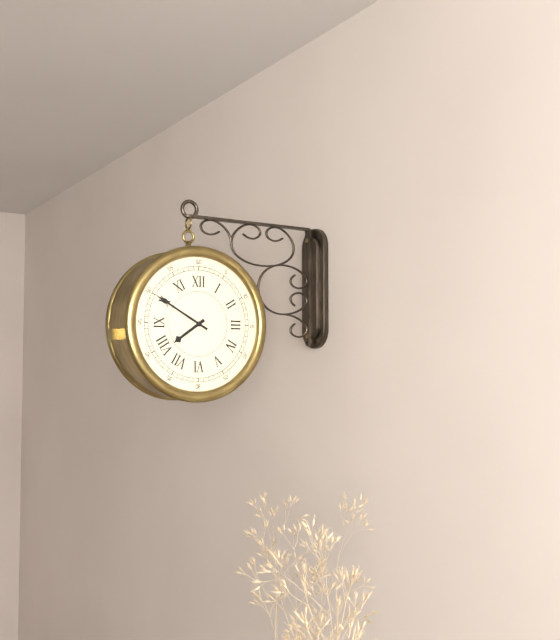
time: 7:50
